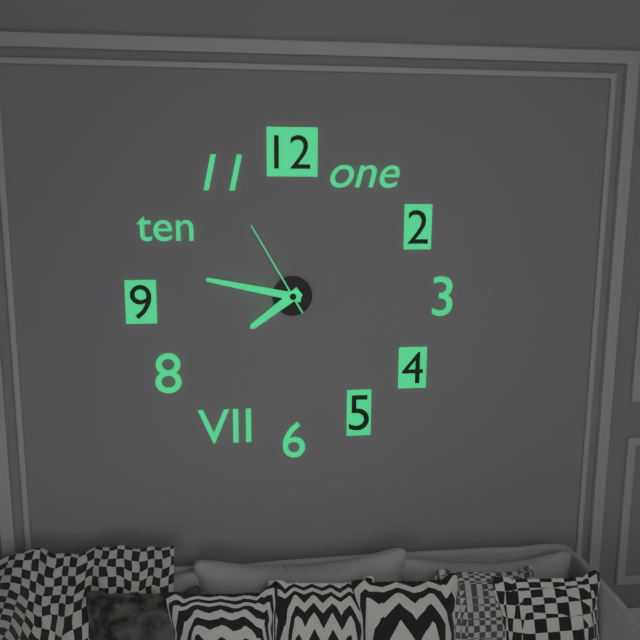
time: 7:47:55
